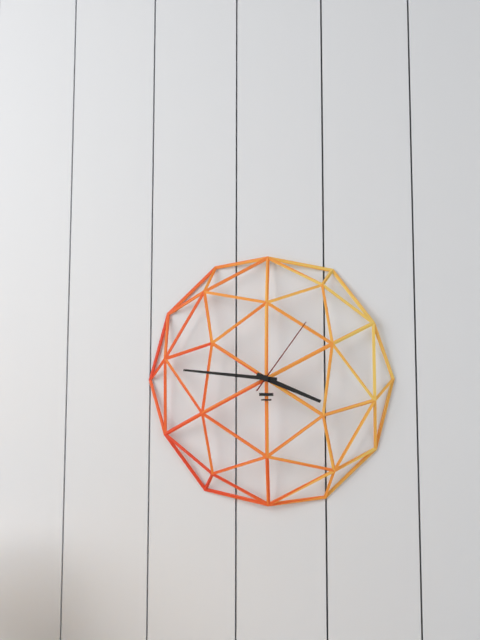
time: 3:46:06
